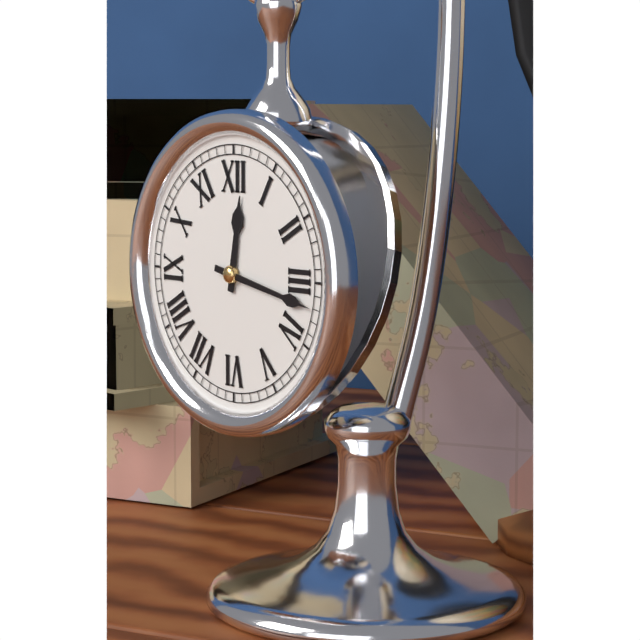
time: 12:17
